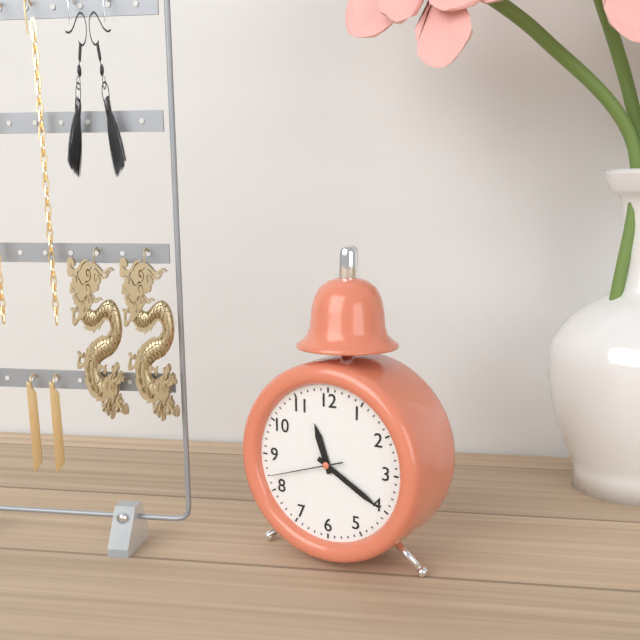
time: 11:20:42
